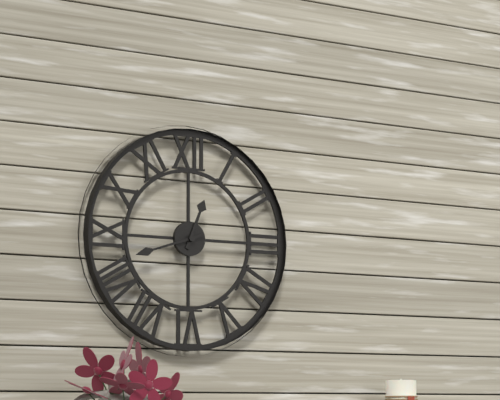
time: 12:42
